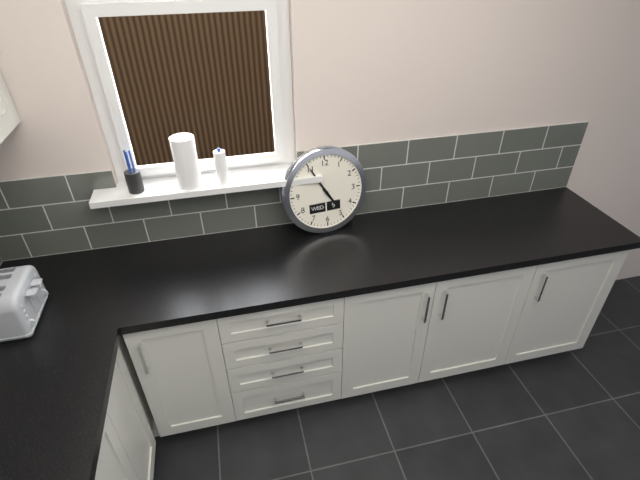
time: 4:55
